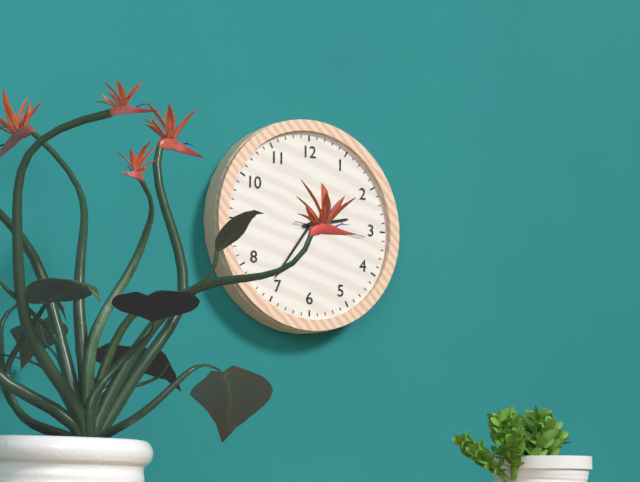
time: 2:36:16
